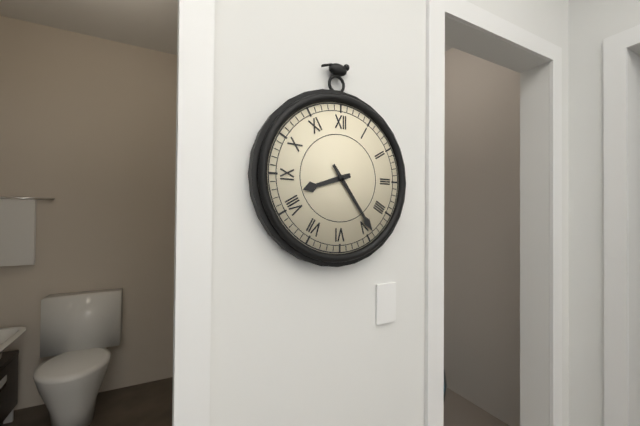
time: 8:24
